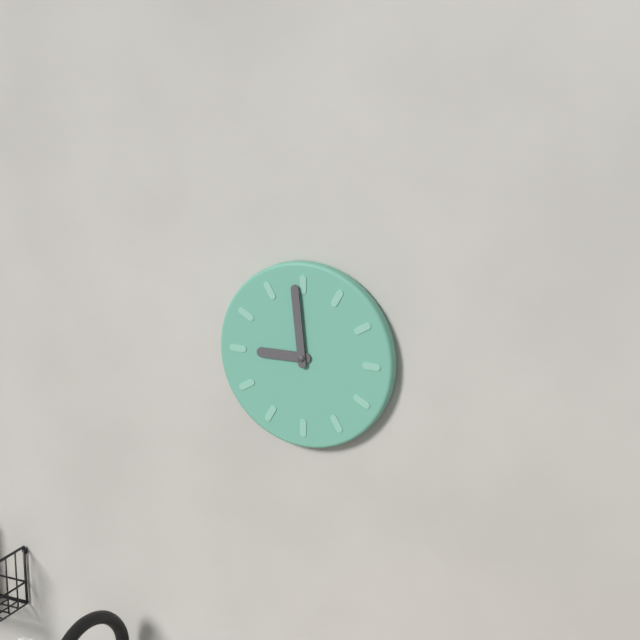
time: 8:59
